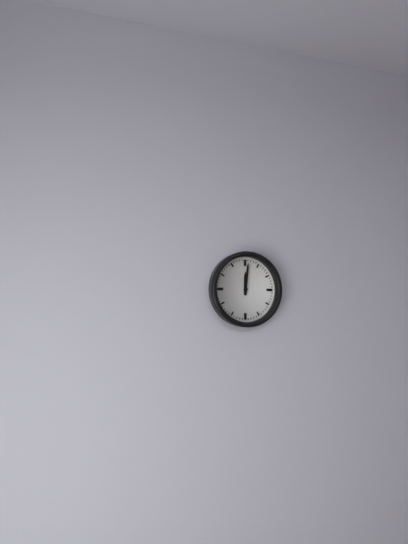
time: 12:01
